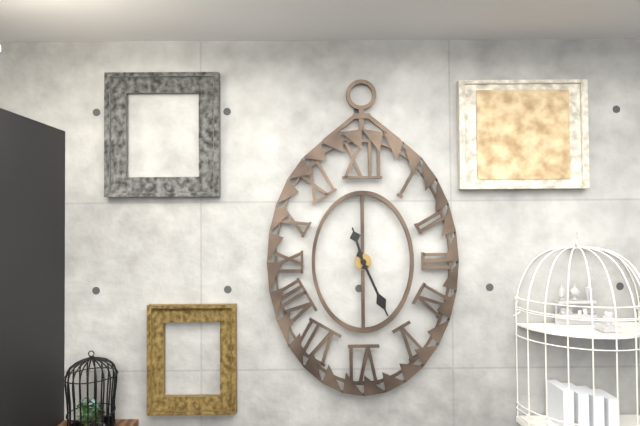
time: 11:26
